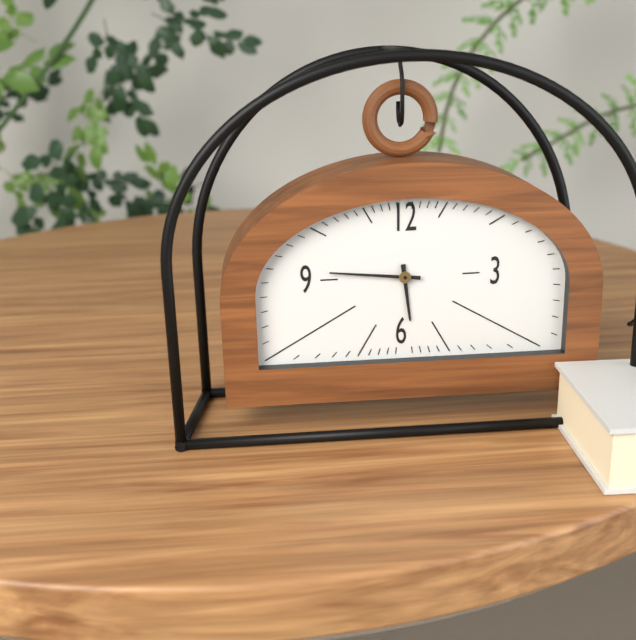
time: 5:46
